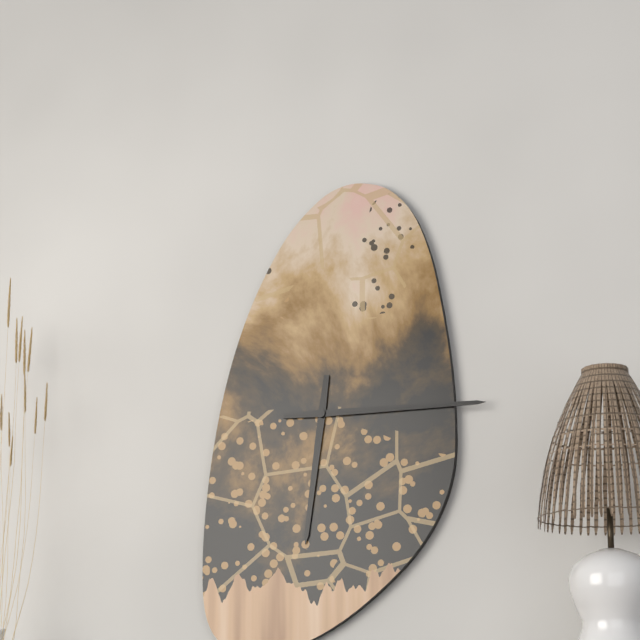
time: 6:15
